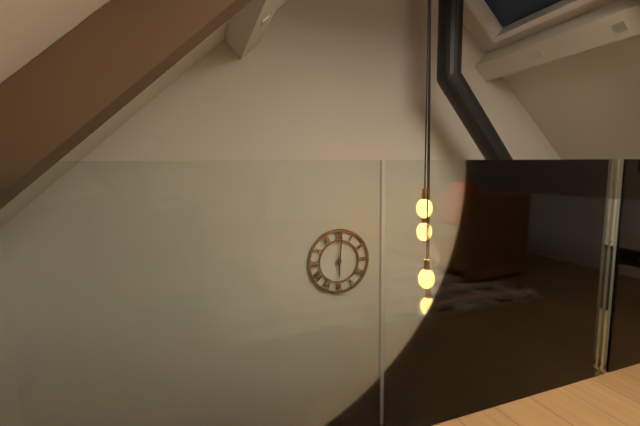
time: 6:01
